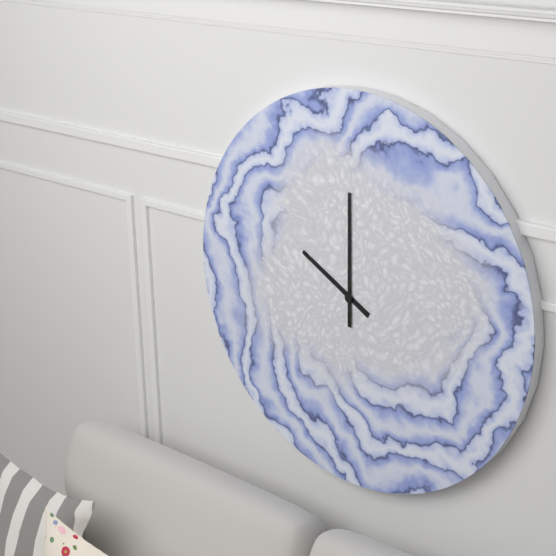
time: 10:00
